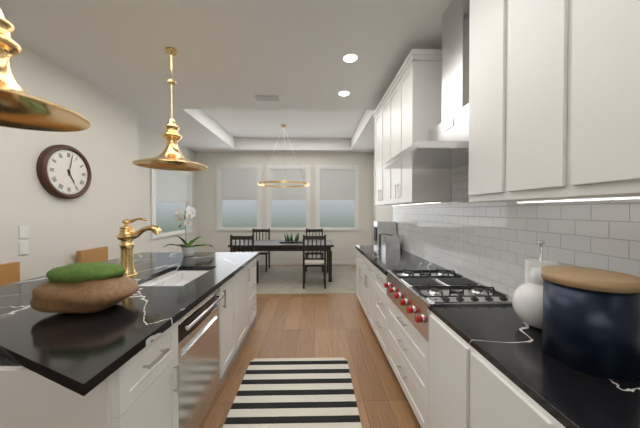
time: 5:02
